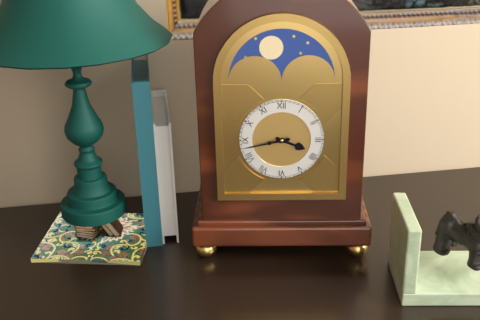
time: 3:43
